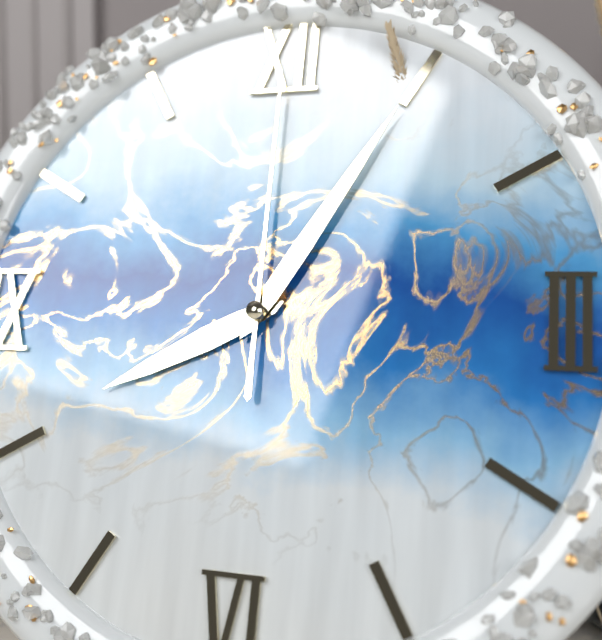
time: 8:05:00
